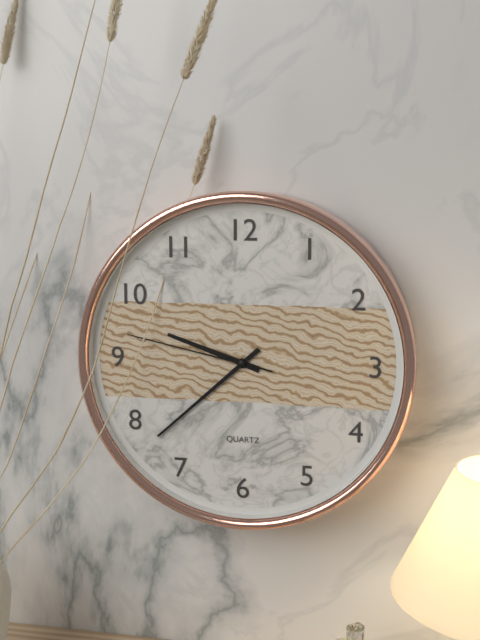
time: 9:38:47
